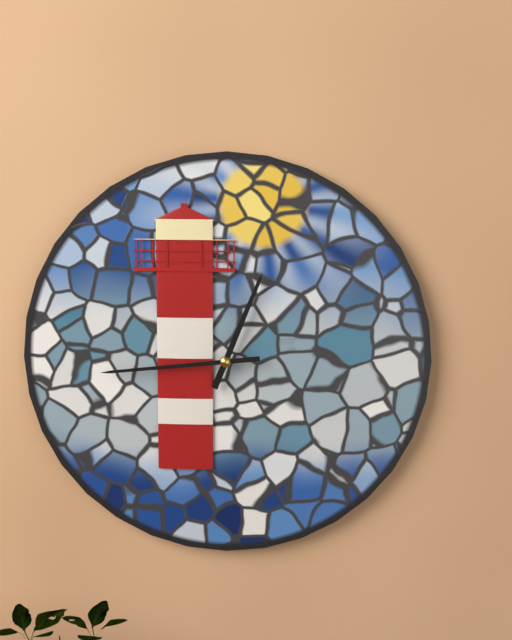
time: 12:44
